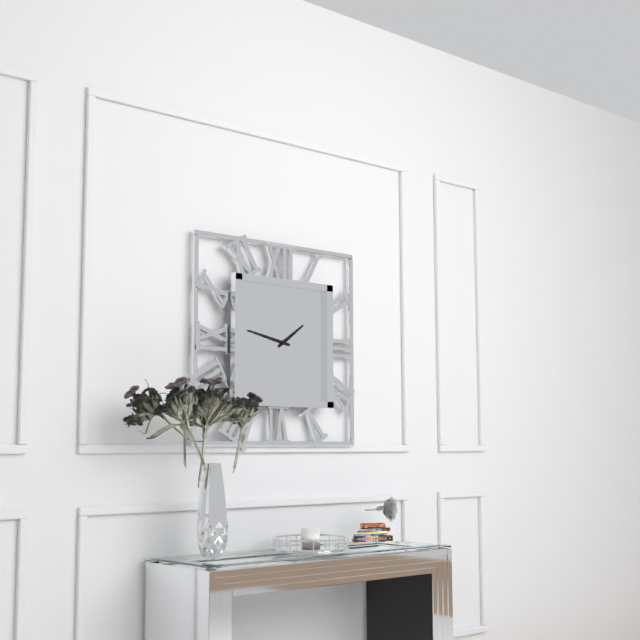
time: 1:47
